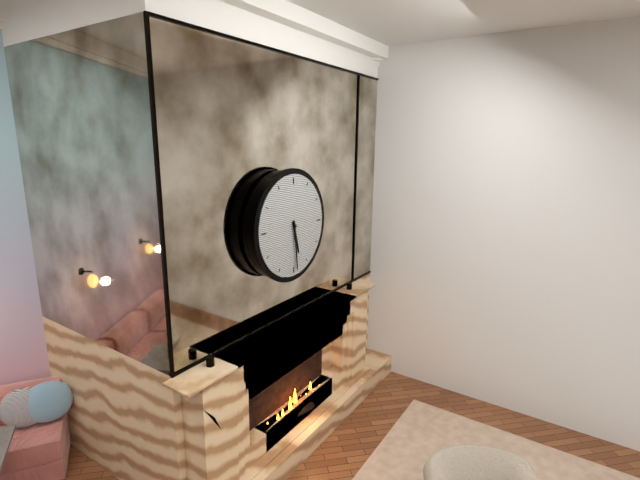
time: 5:29
